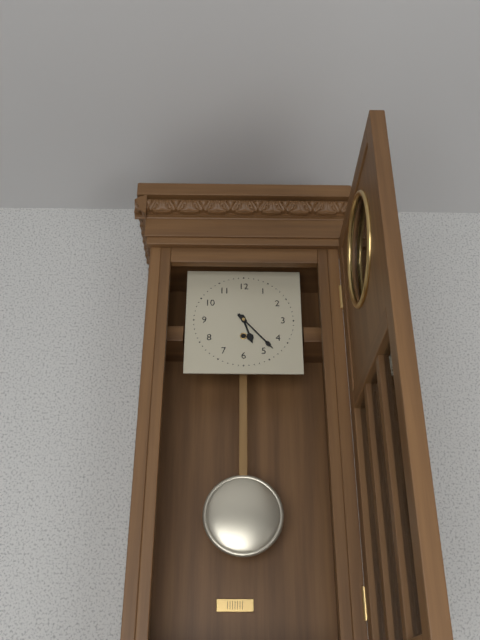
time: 5:23
